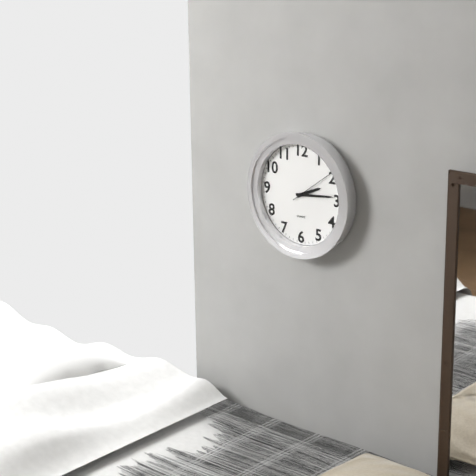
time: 2:14
